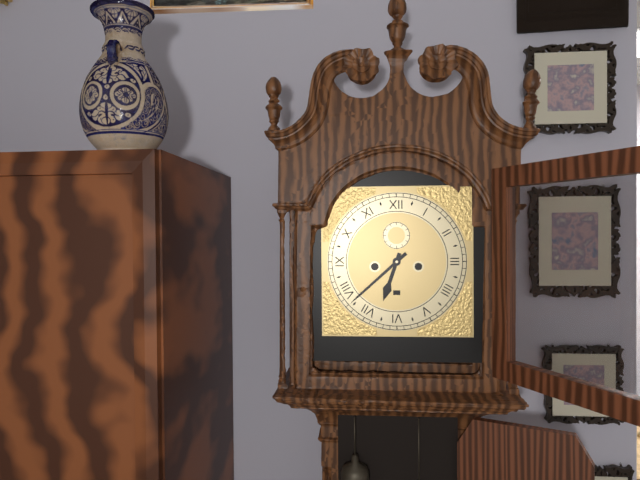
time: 6:38
